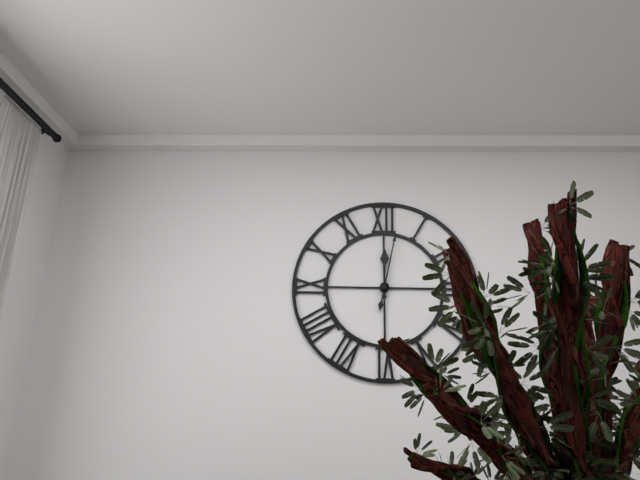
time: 12:02
